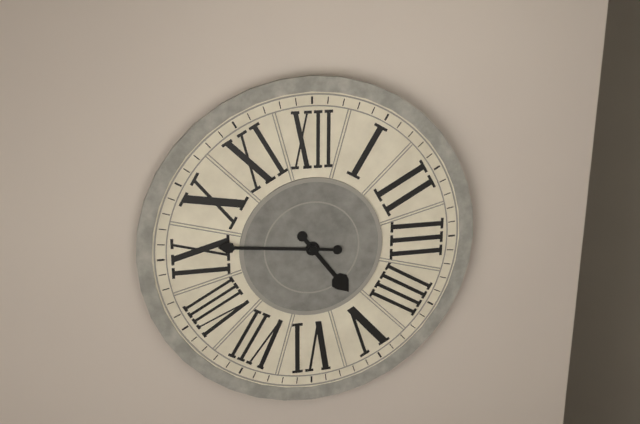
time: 4:46
